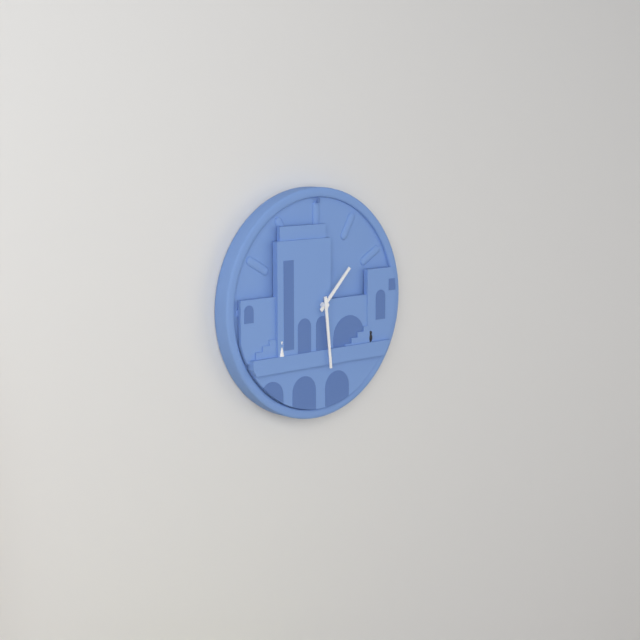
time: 1:29
